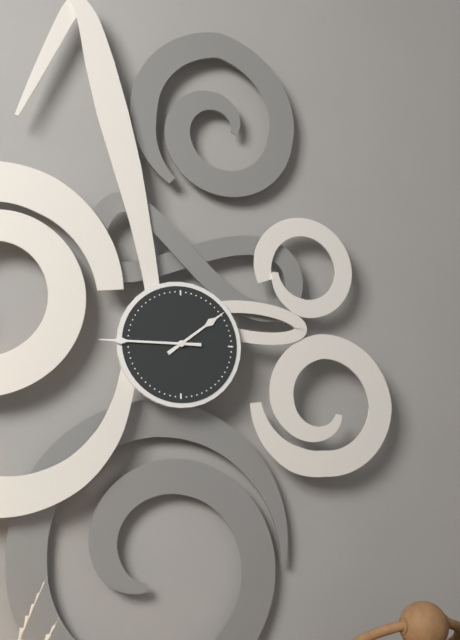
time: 1:45
